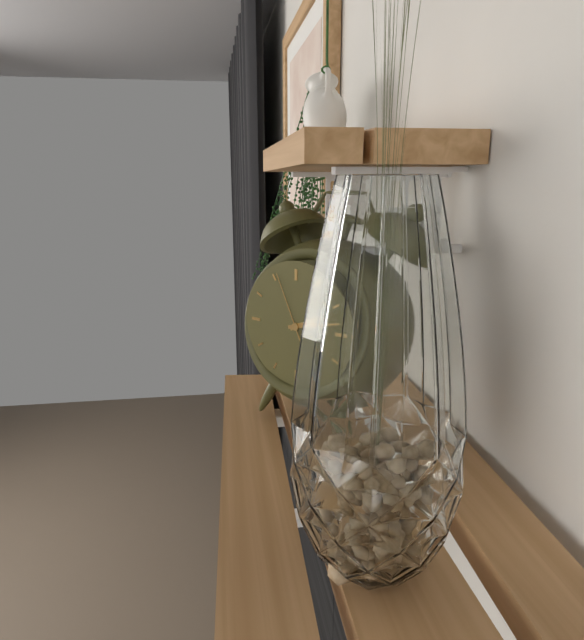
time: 2:13:56
